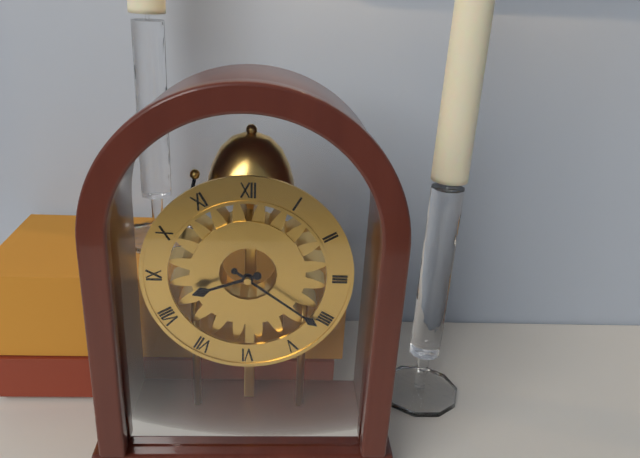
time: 8:21
